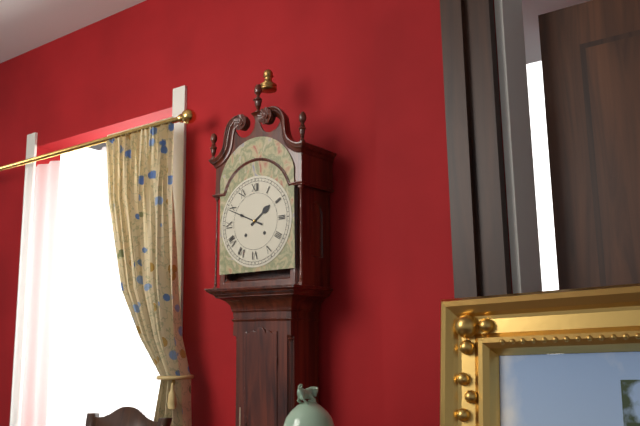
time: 1:49
